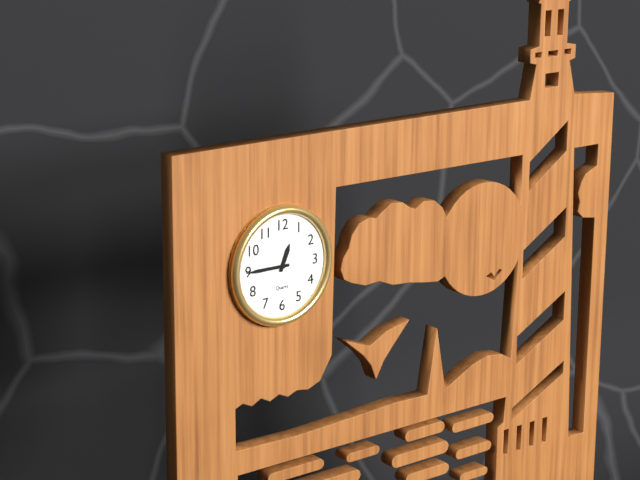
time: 12:45
